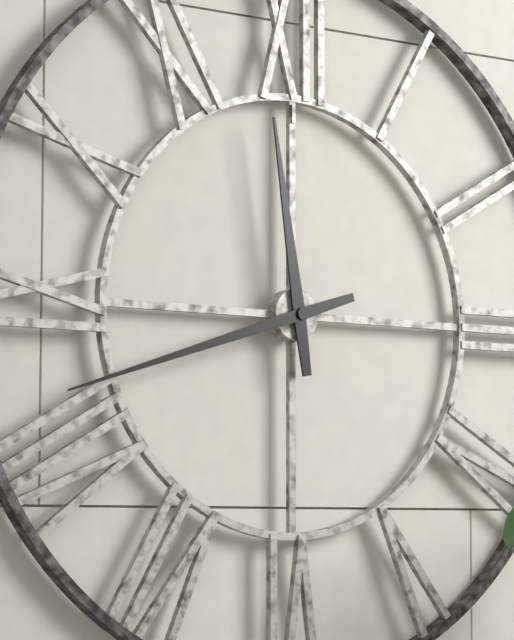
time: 11:42
